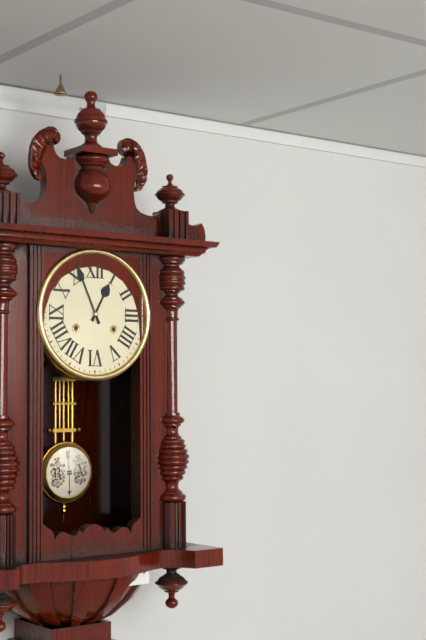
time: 12:56
